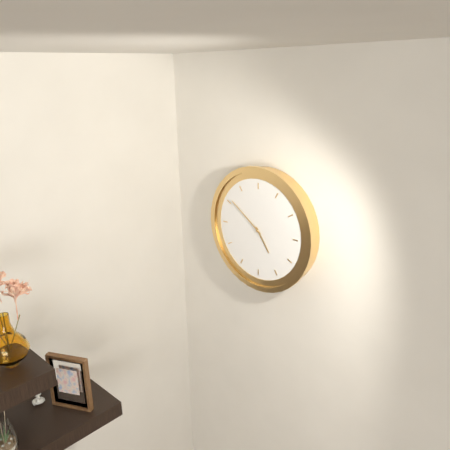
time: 4:51
